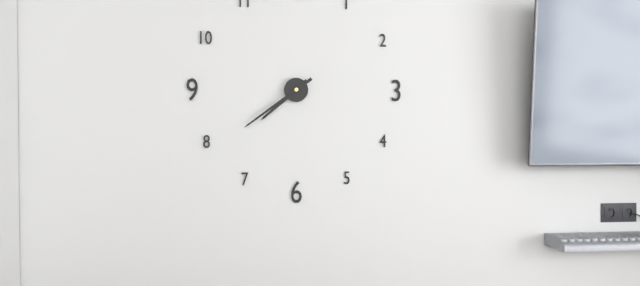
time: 7:39
